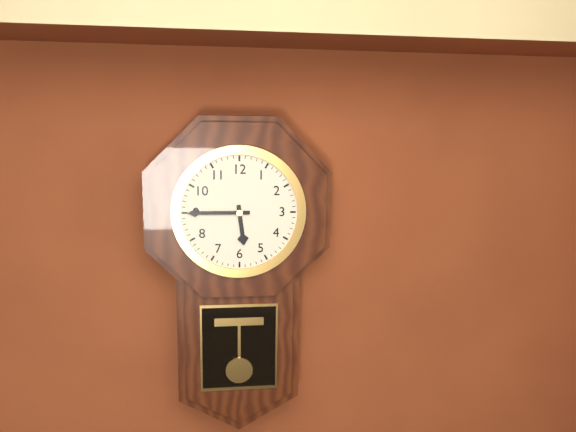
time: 5:45
